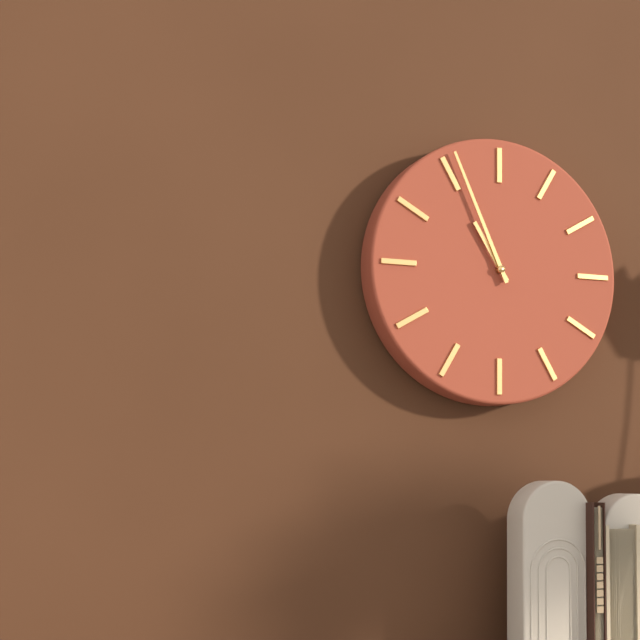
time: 10:56
